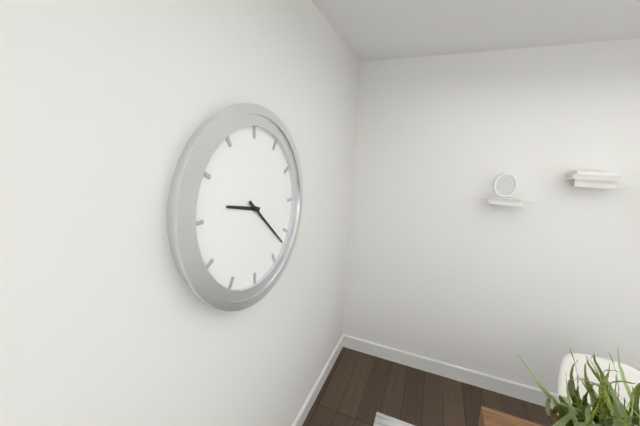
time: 9:22
